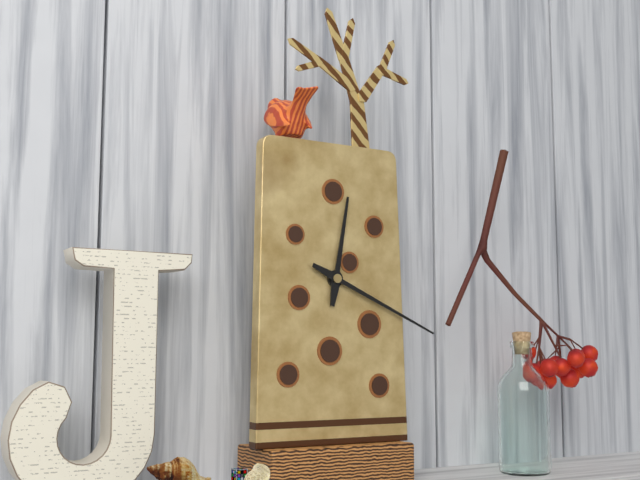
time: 12:19
